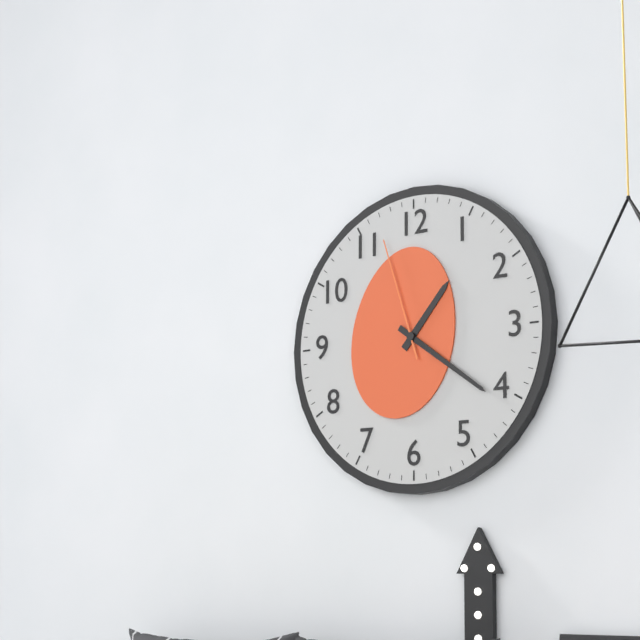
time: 1:21:57
